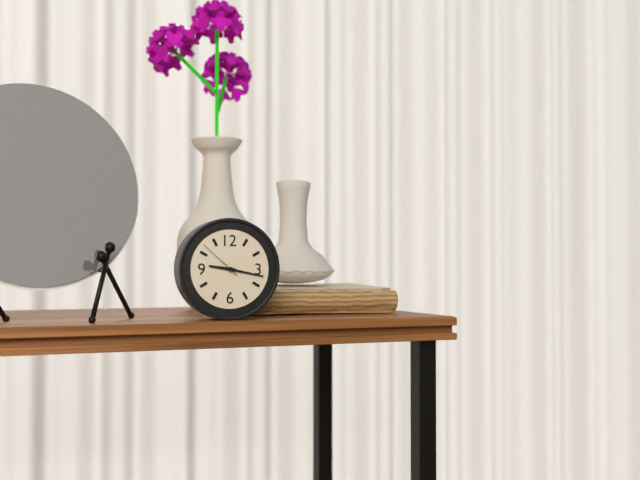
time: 9:17
